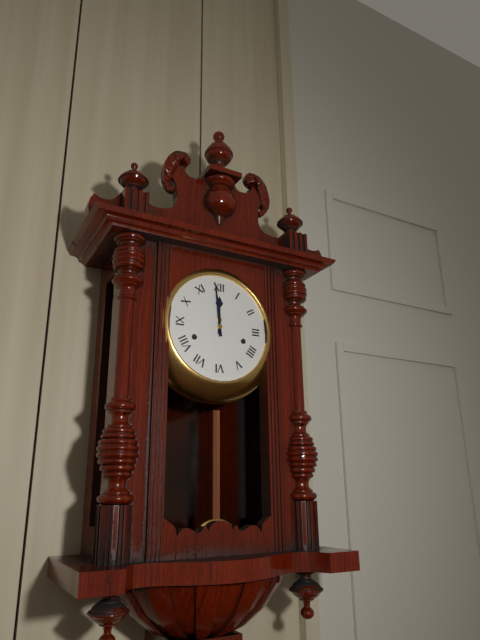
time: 11:59
